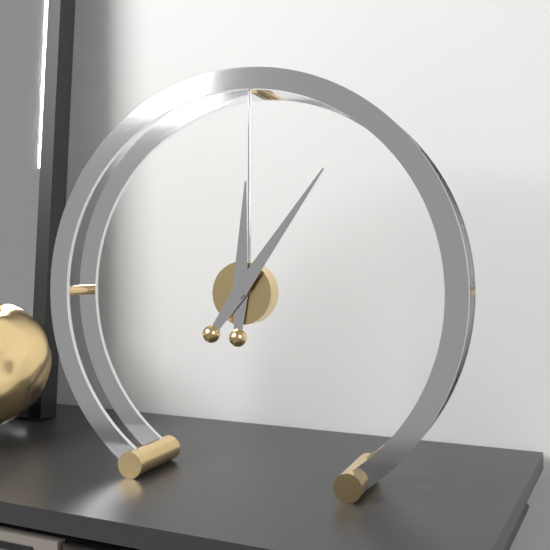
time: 12:06
